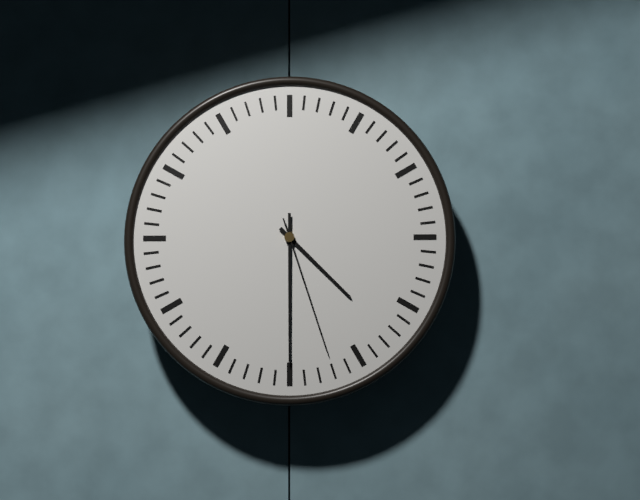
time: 4:30:27
